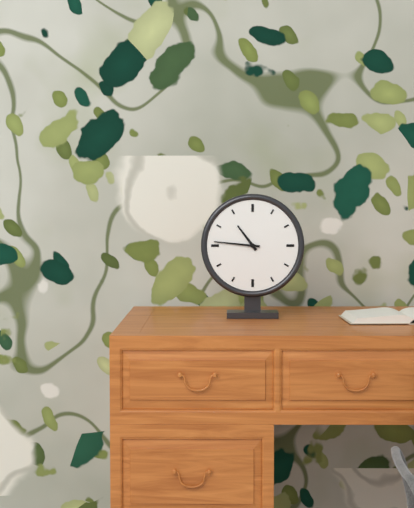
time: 10:46
